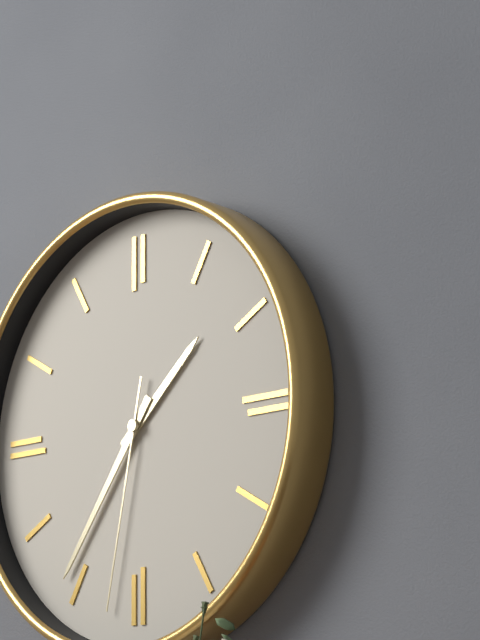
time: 1:36:32
